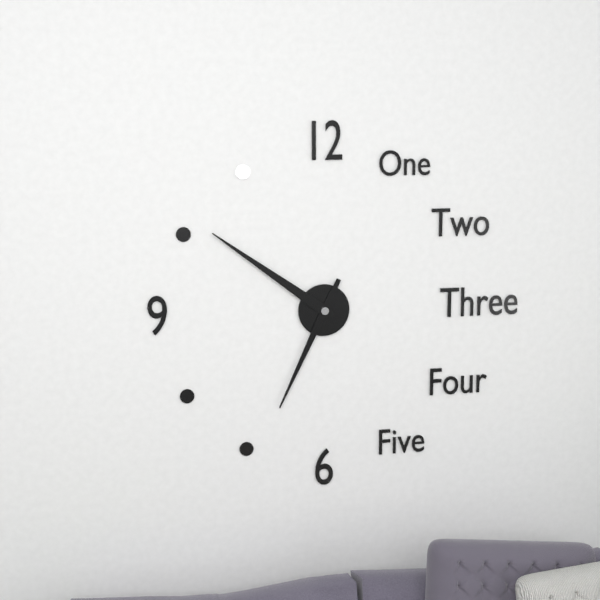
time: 6:51
